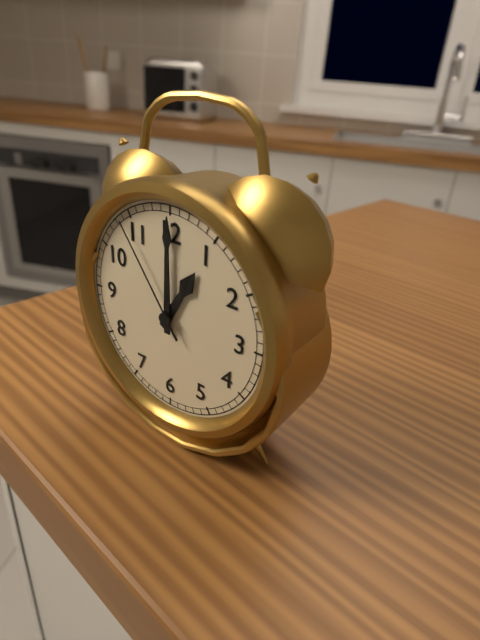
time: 1:00:54
